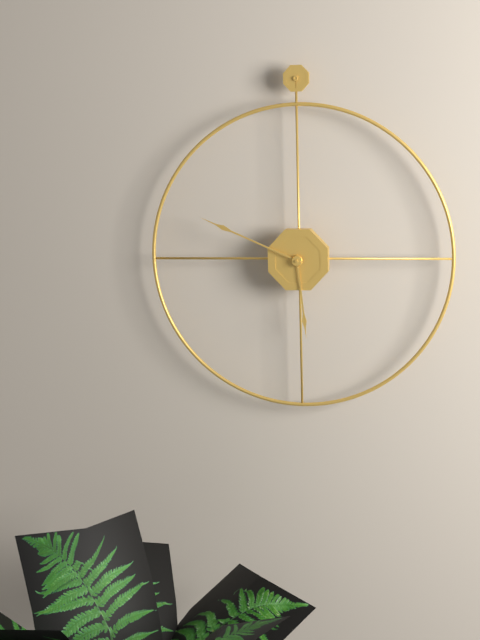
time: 5:49
